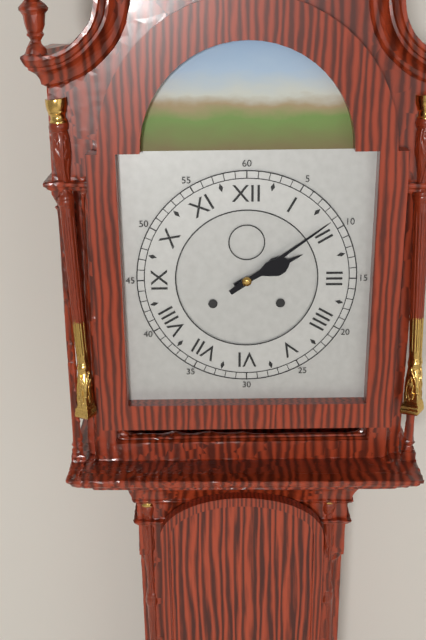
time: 2:09
